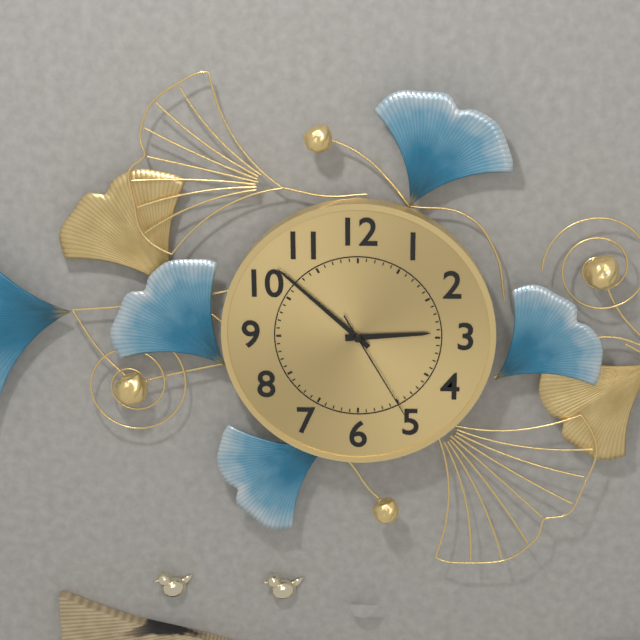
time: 2:52:25
